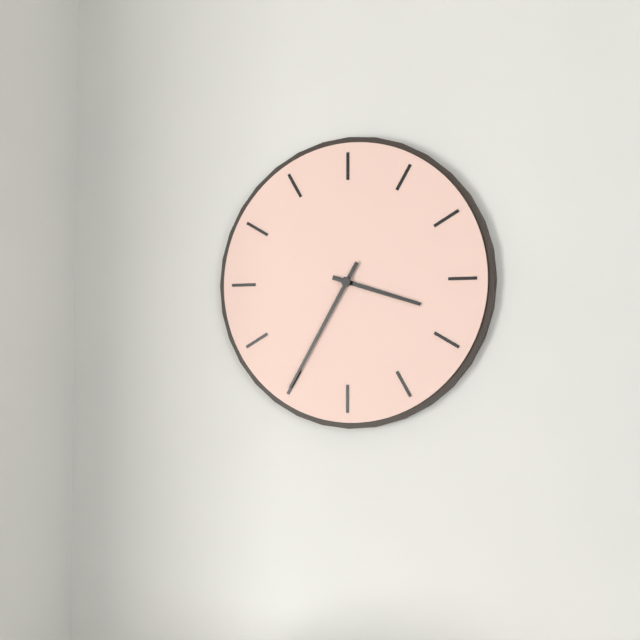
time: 3:35
